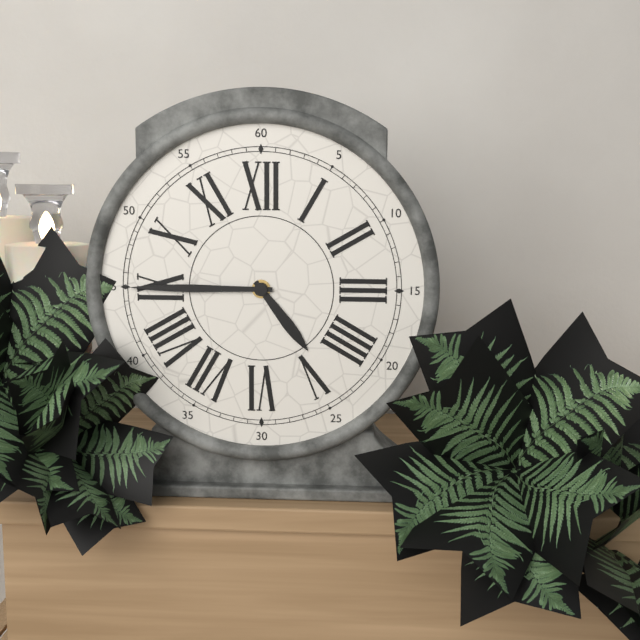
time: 4:45
